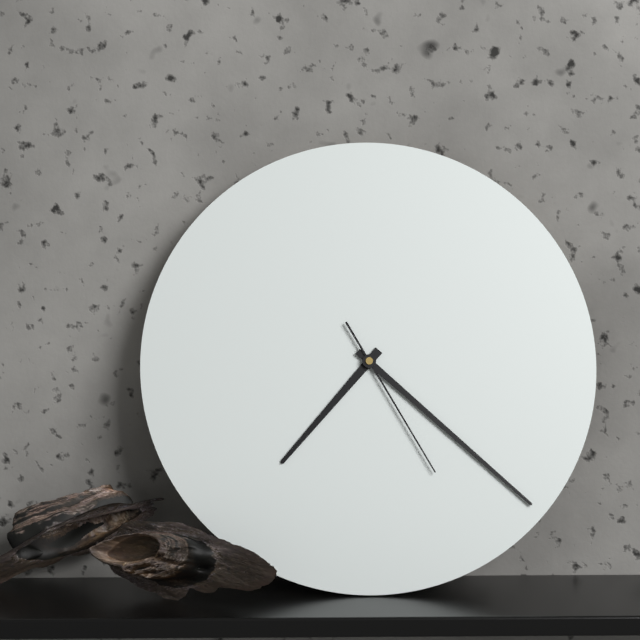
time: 7:22:25
